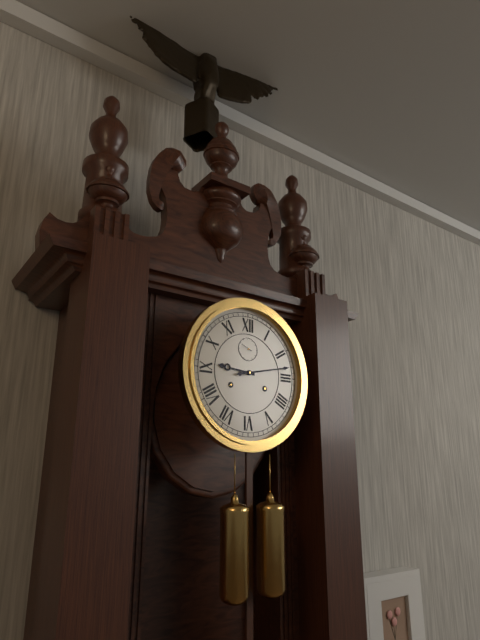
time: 9:13
